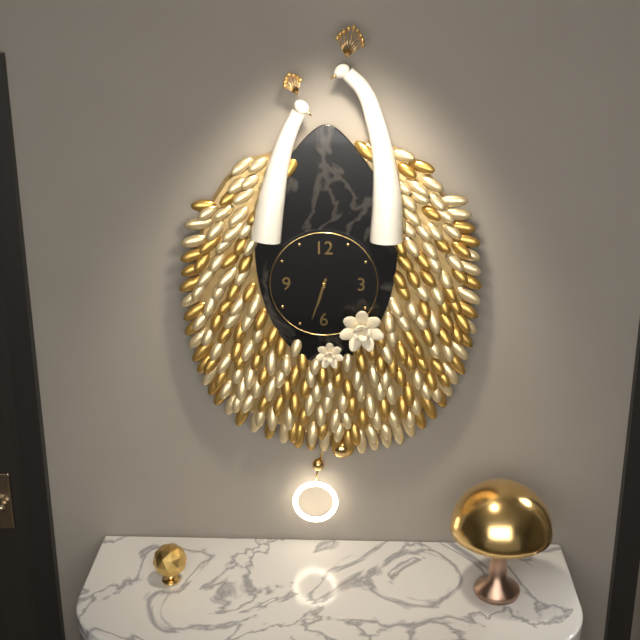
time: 6:33
